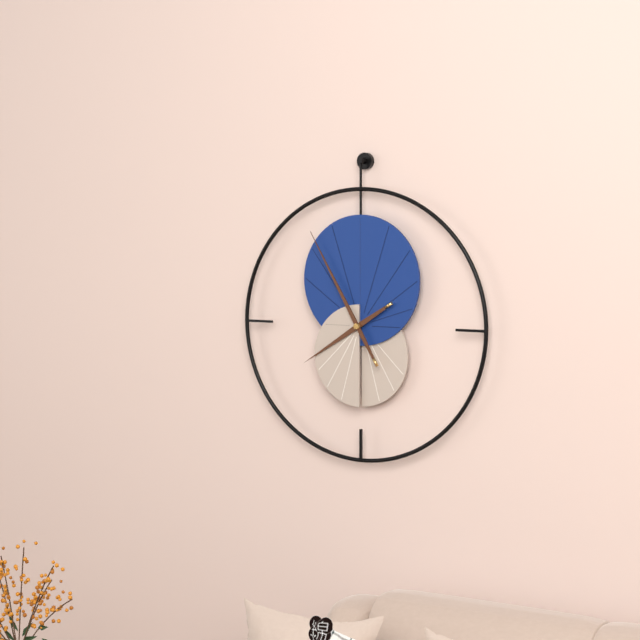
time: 7:55
